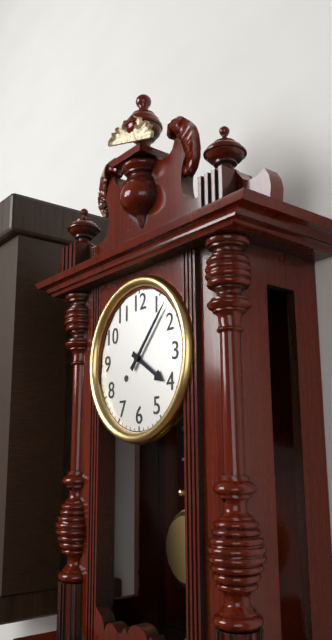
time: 4:07
